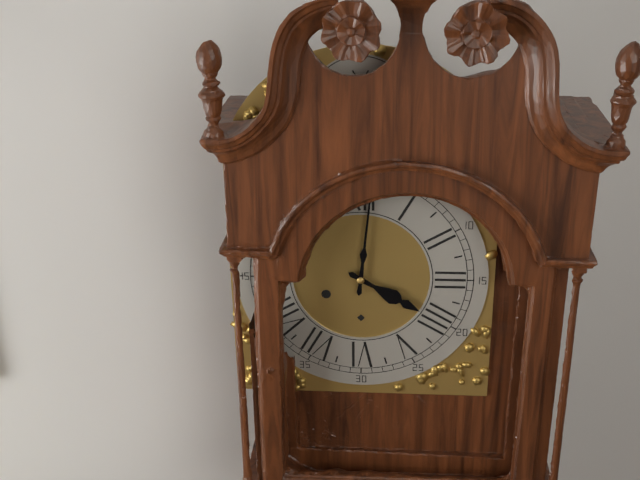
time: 4:01
